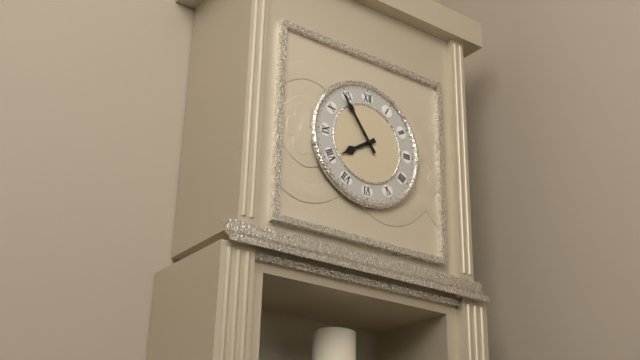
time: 7:54
